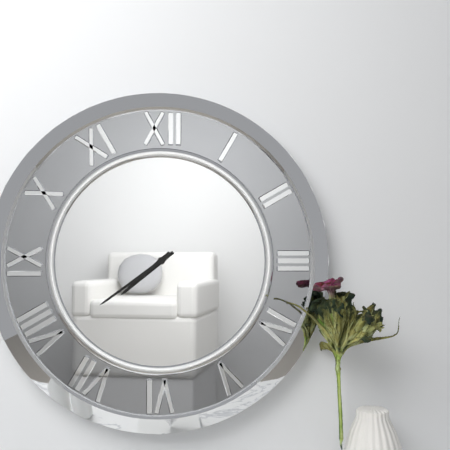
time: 7:39
